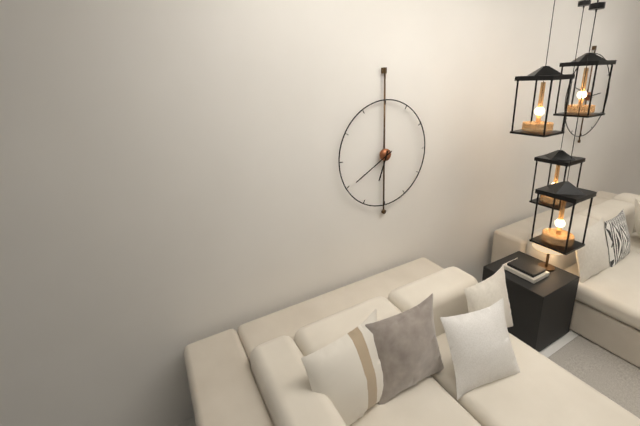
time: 6:40
